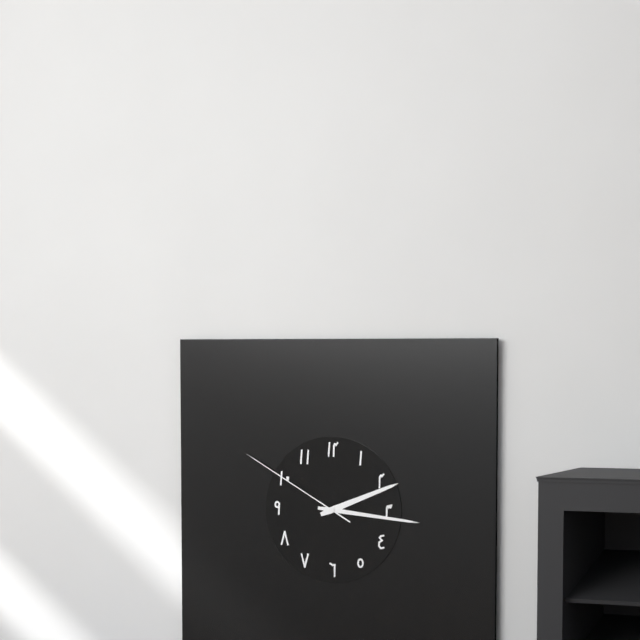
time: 2:16:50
